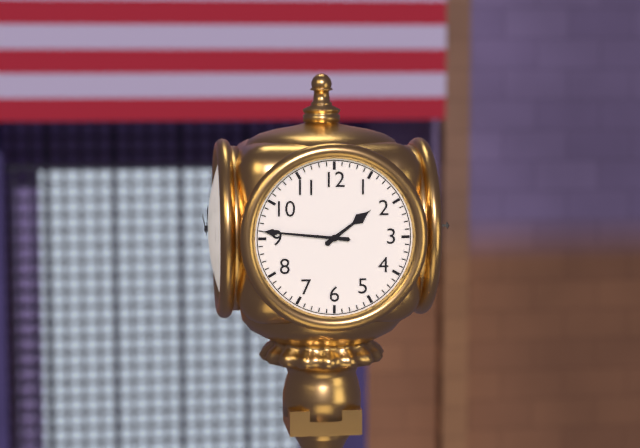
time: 1:46
